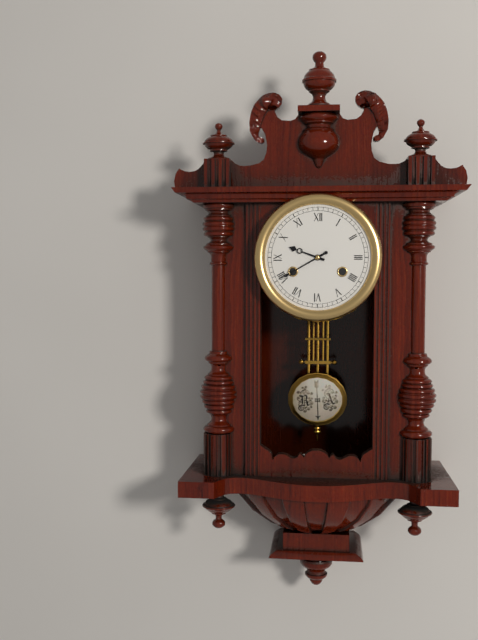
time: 9:40
